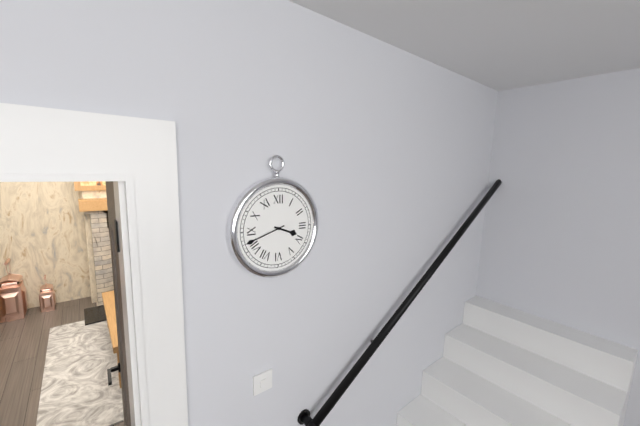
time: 3:42
